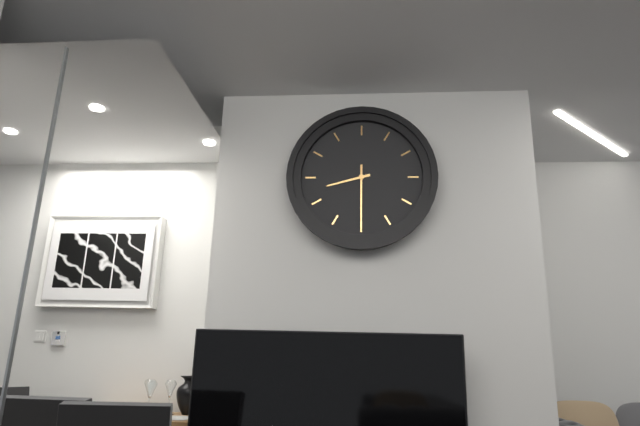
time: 8:30
